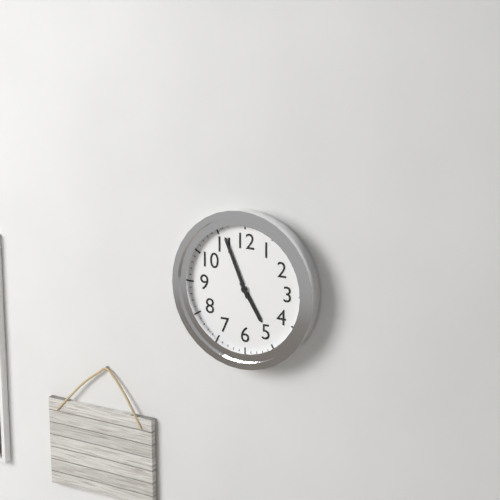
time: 4:56
